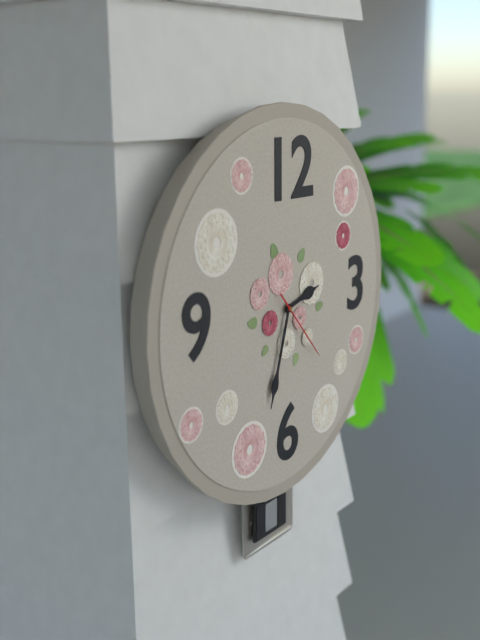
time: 2:33:23
